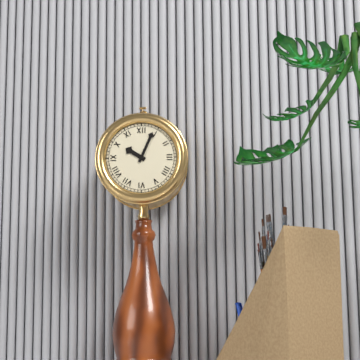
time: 10:04
